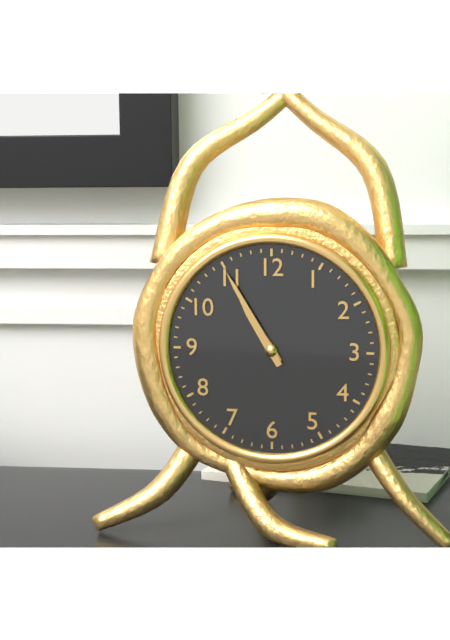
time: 10:55
